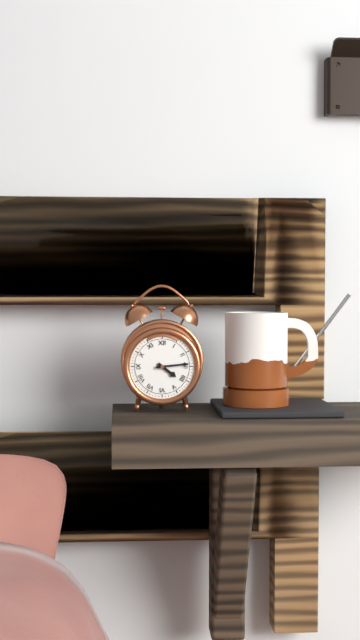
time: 4:14
